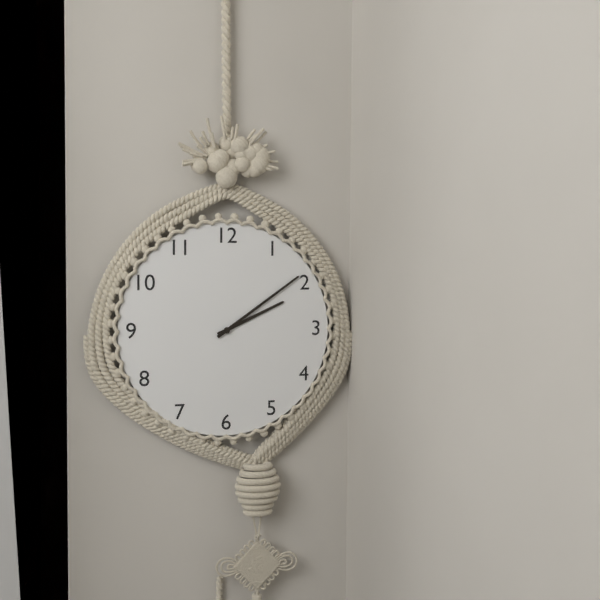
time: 2:09
